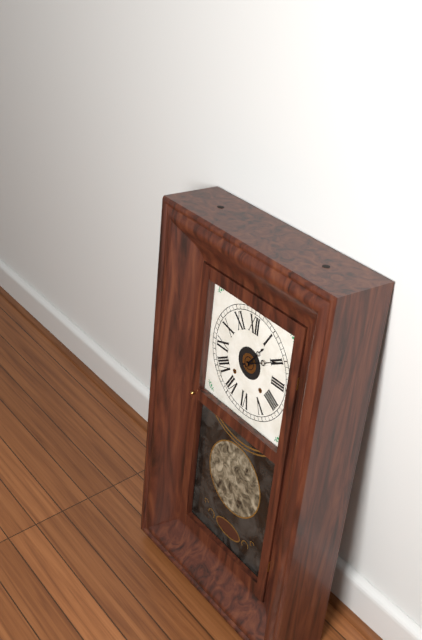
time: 1:10
